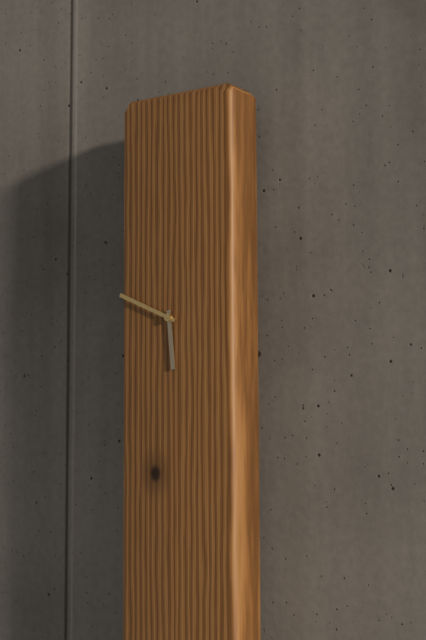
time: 5:49
